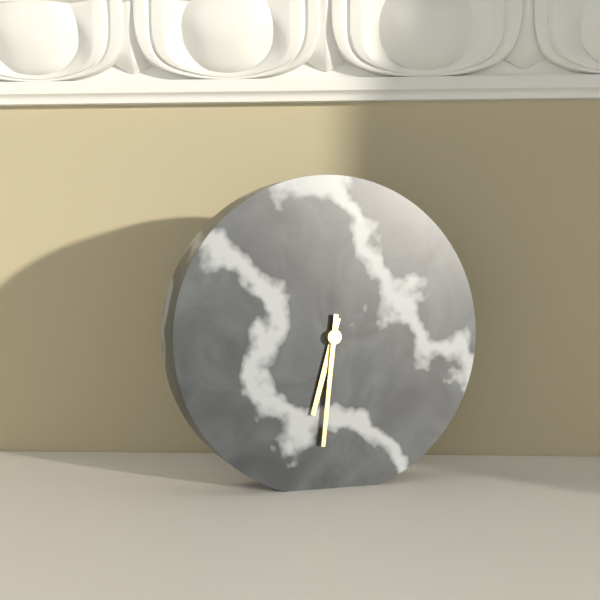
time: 6:31
